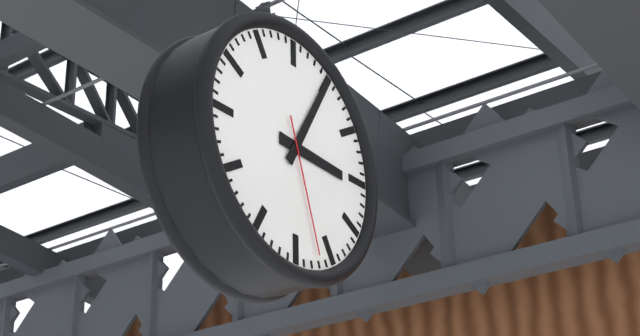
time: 3:05:27
